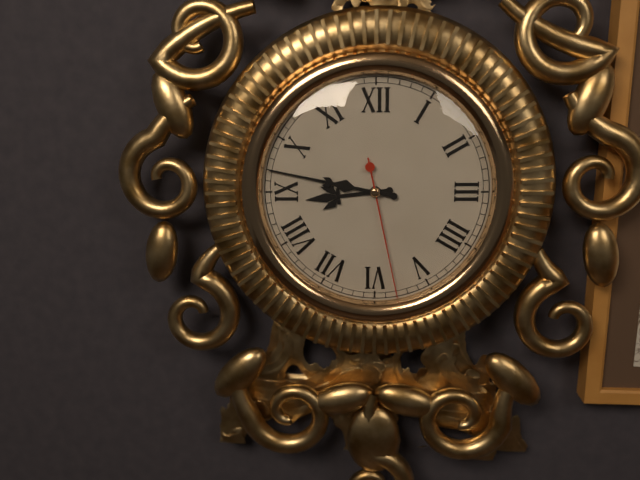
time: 8:47:28
